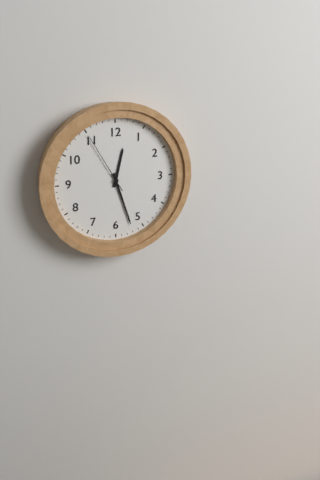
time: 12:27:55
